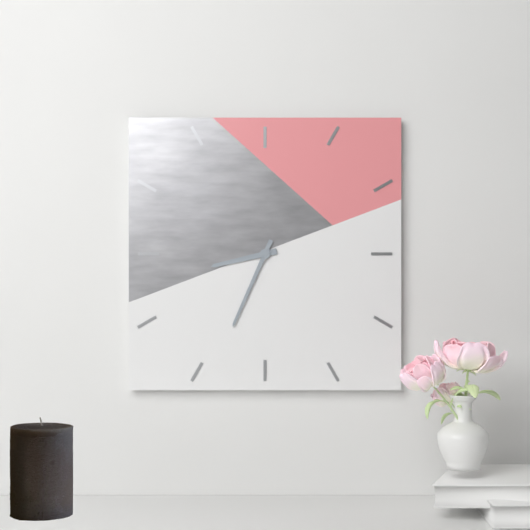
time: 8:34
